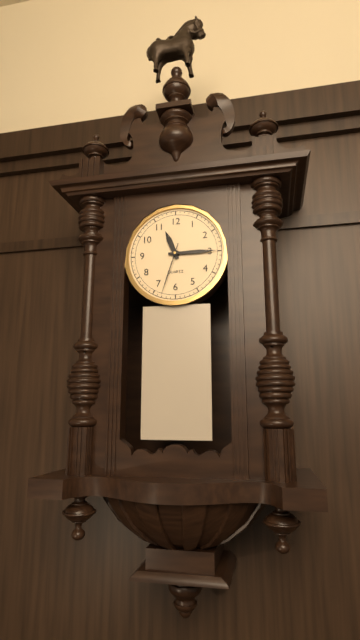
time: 11:15:33
